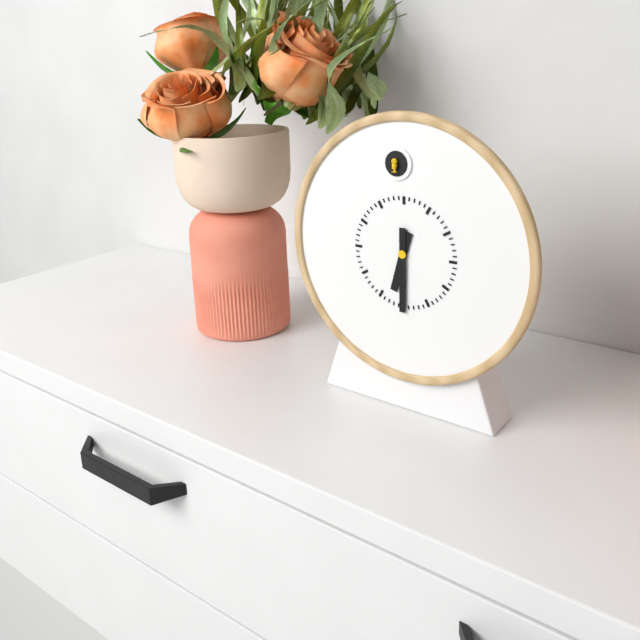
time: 6:30
